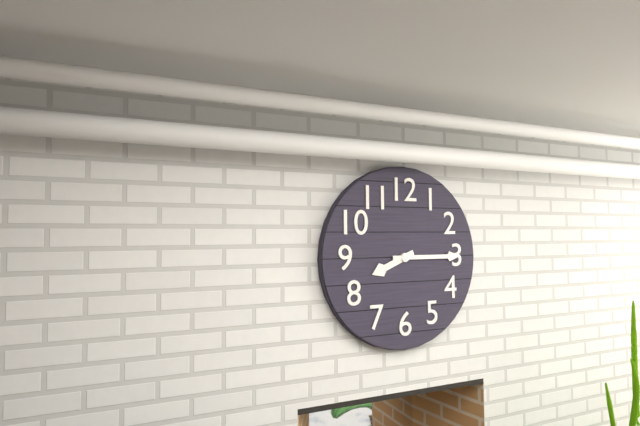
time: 8:15
